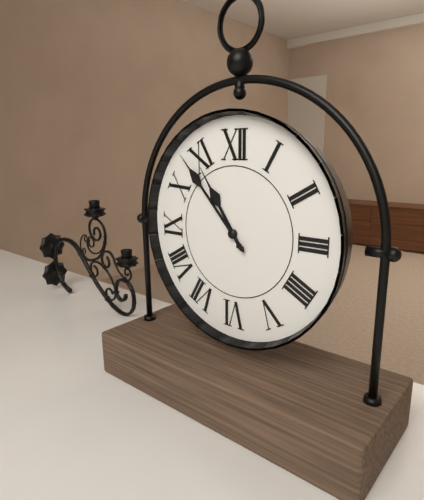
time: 10:53
